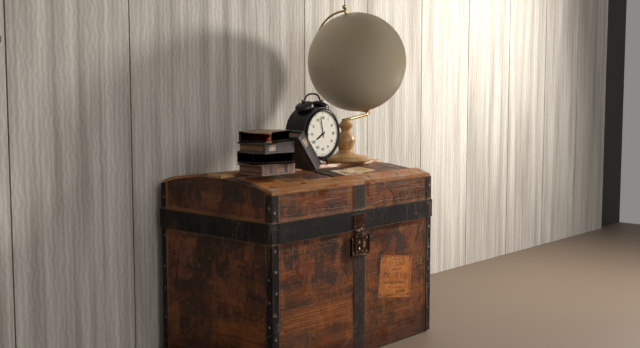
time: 7:58
